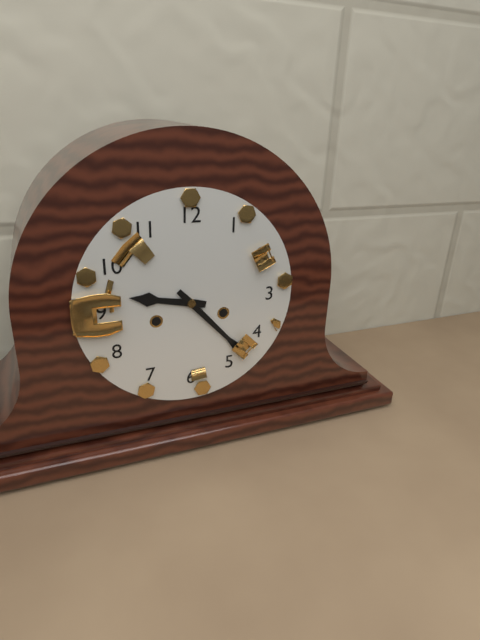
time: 9:23
